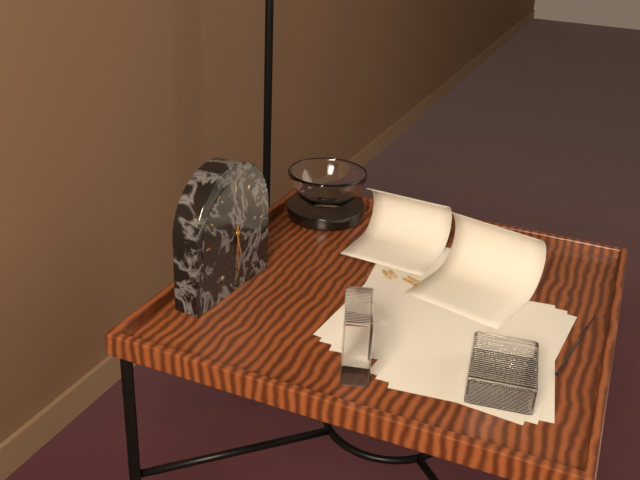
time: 5:30
